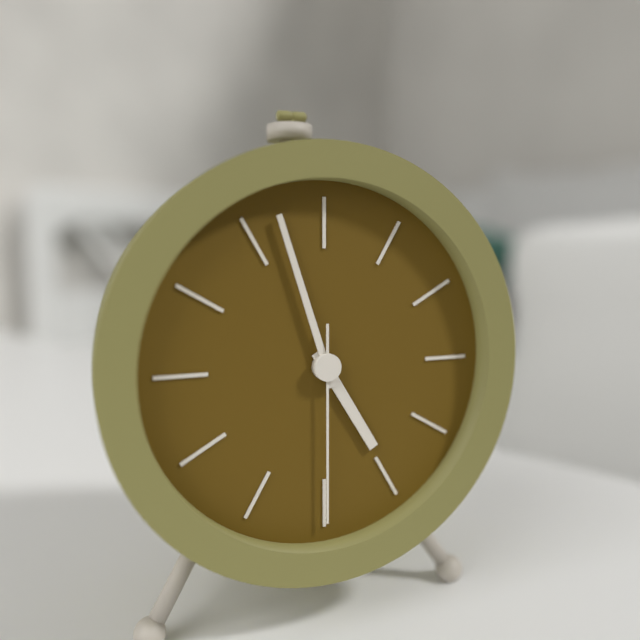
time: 4:57:30
